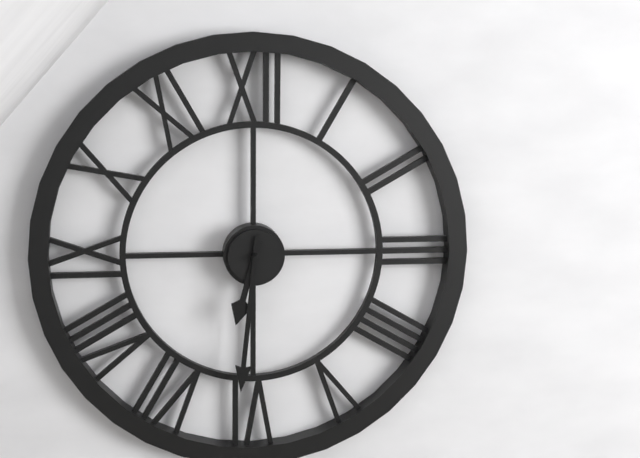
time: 6:31
